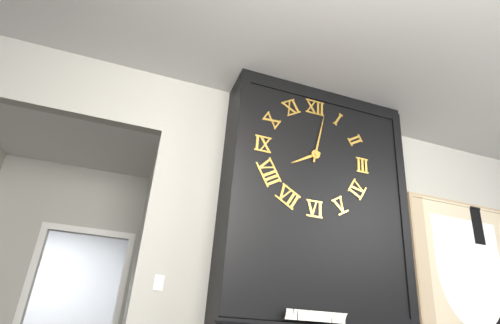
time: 8:02
